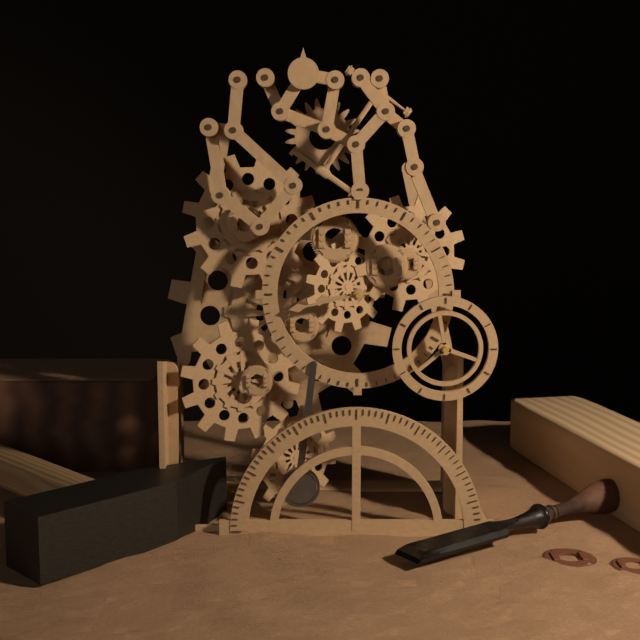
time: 8:43
